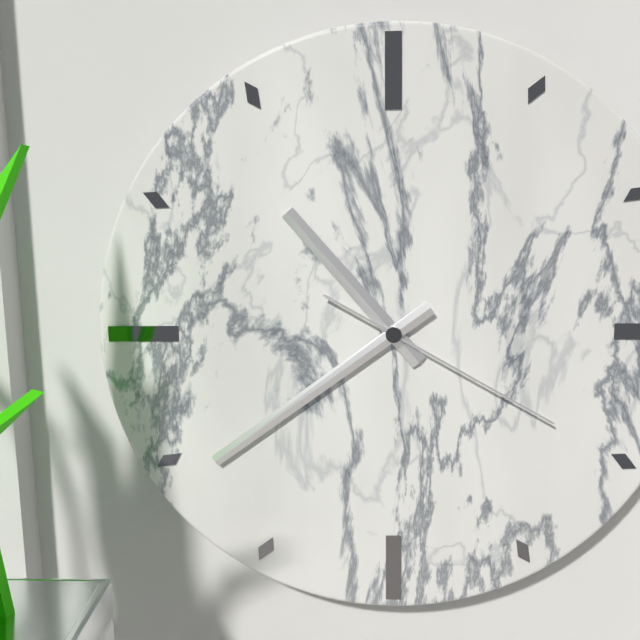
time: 10:39:20
